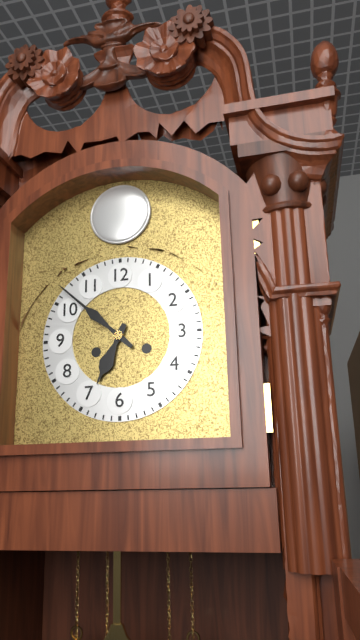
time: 6:52
